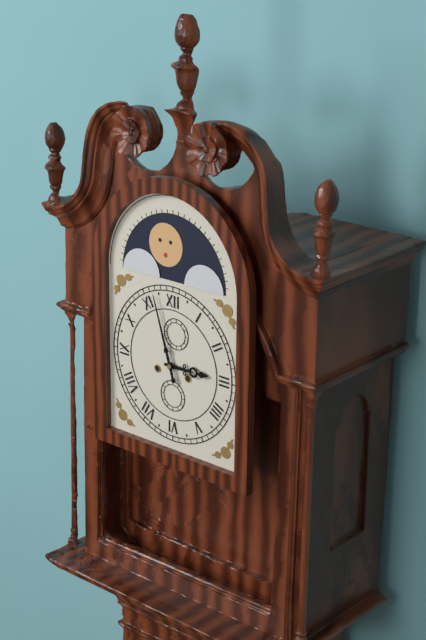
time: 2:57
